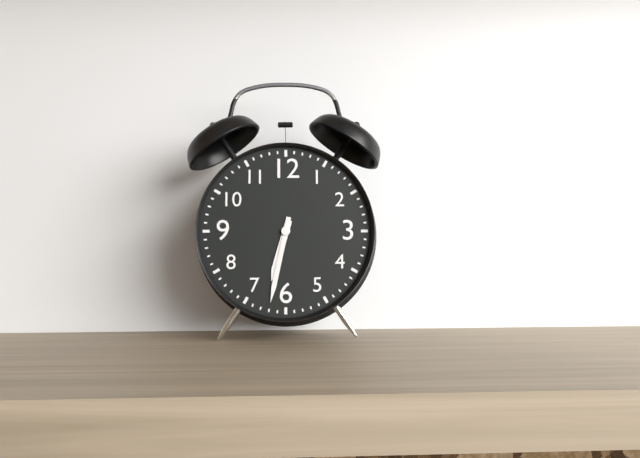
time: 6:32
